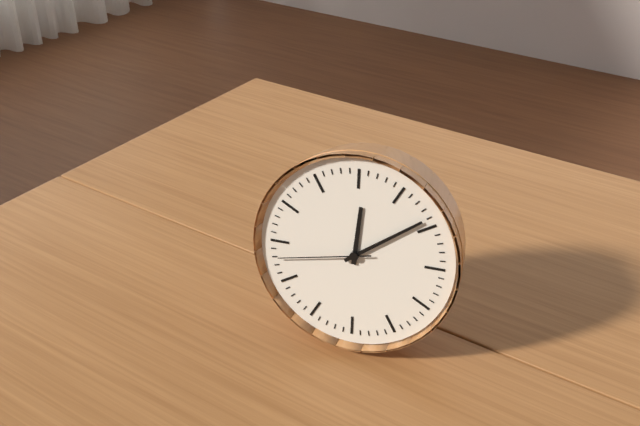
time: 12:09:43
